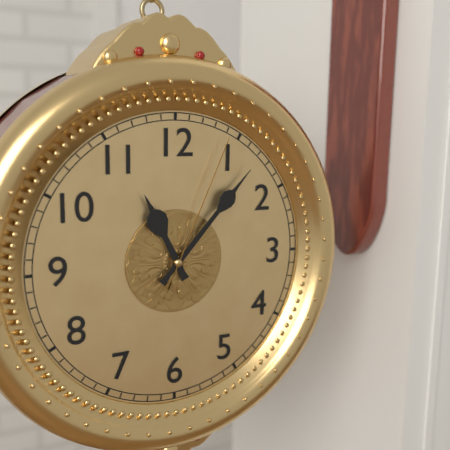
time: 11:07:04
